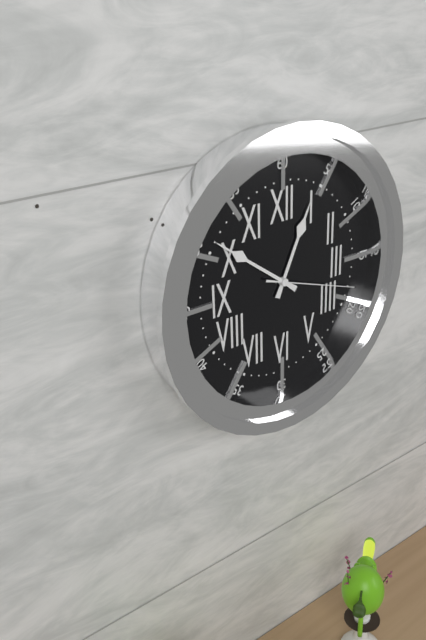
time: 12:51:18
